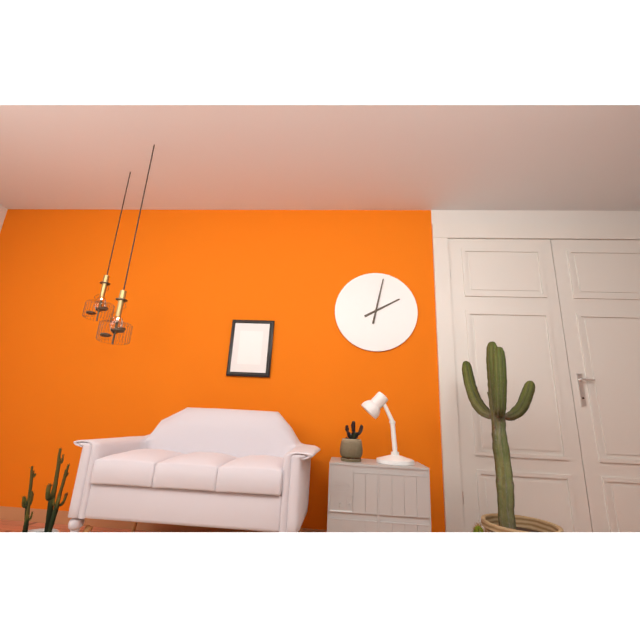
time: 2:02
